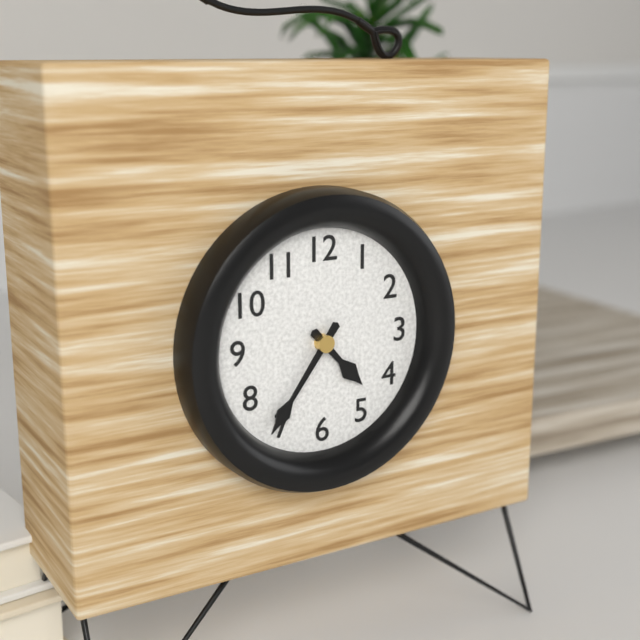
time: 4:36
